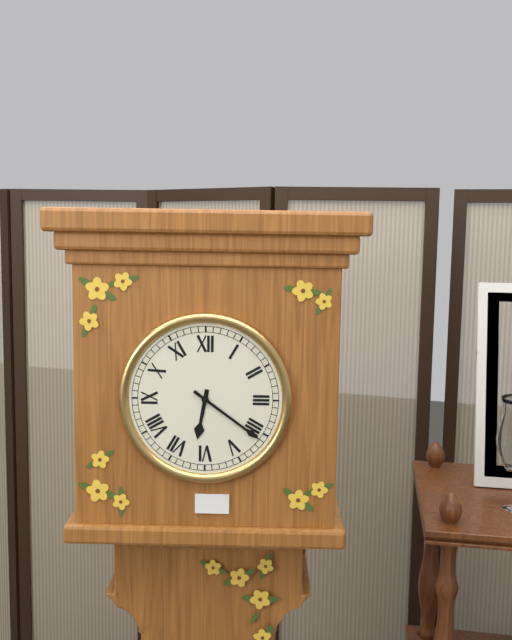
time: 6:21
